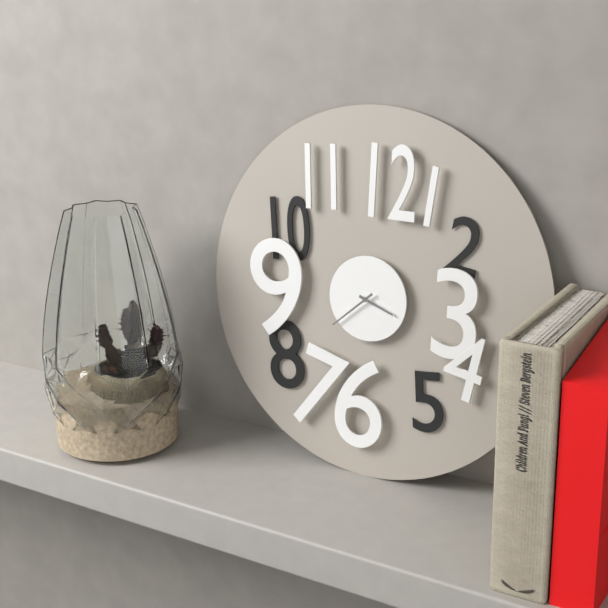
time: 3:38
